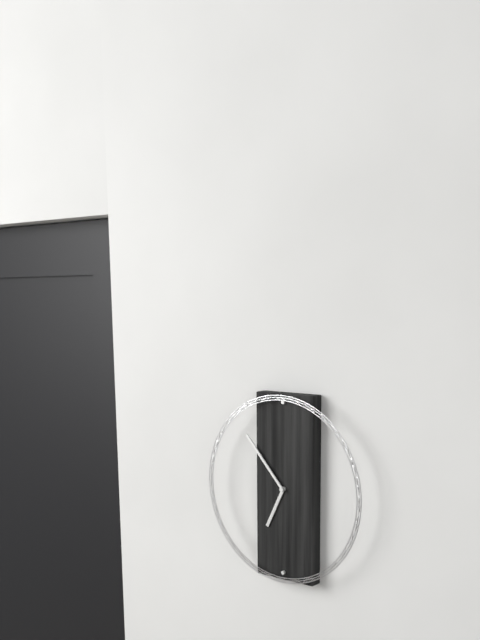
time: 6:53
